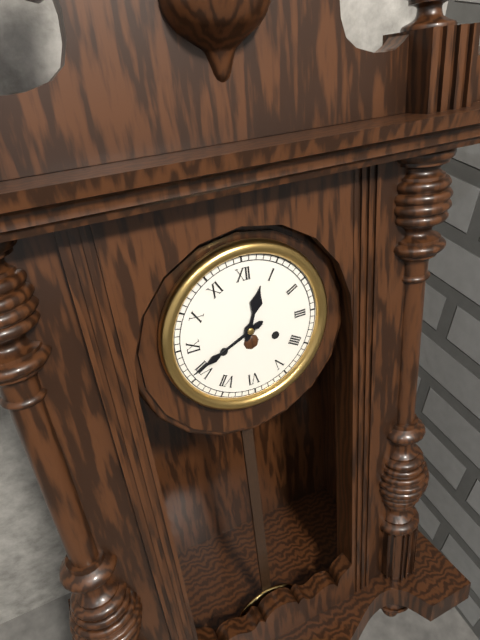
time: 12:41
